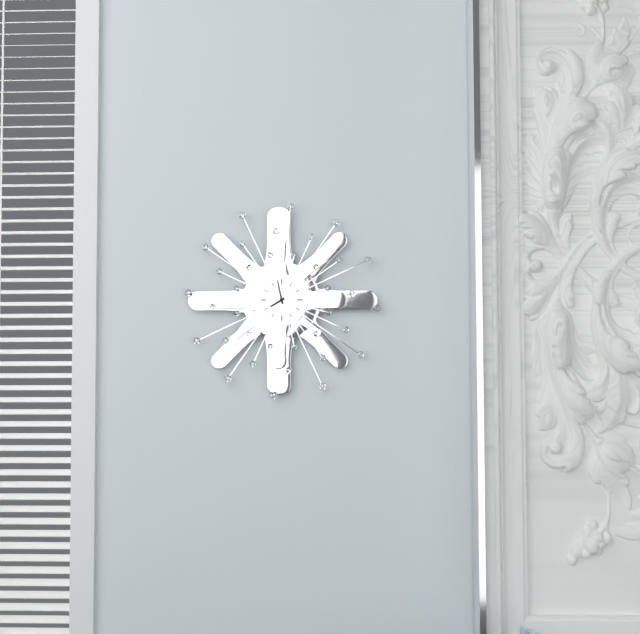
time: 7:58
